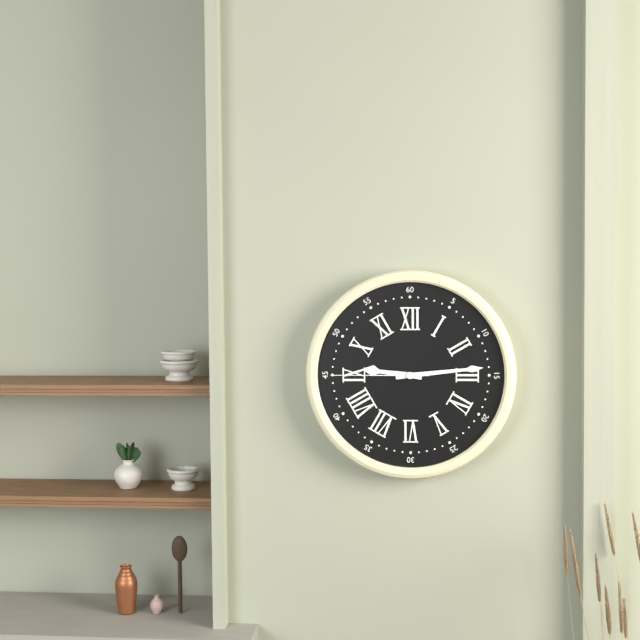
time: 9:14:45
